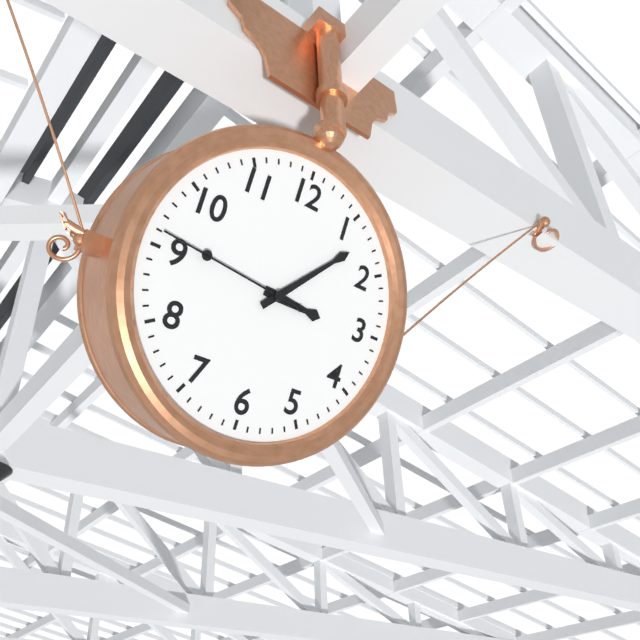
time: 3:07:46
